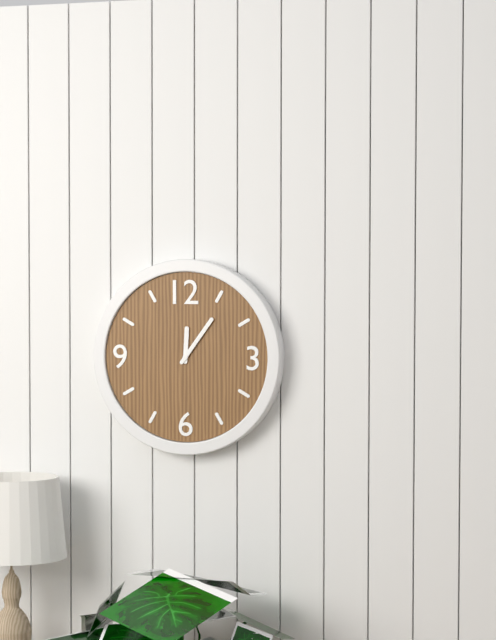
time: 12:06
